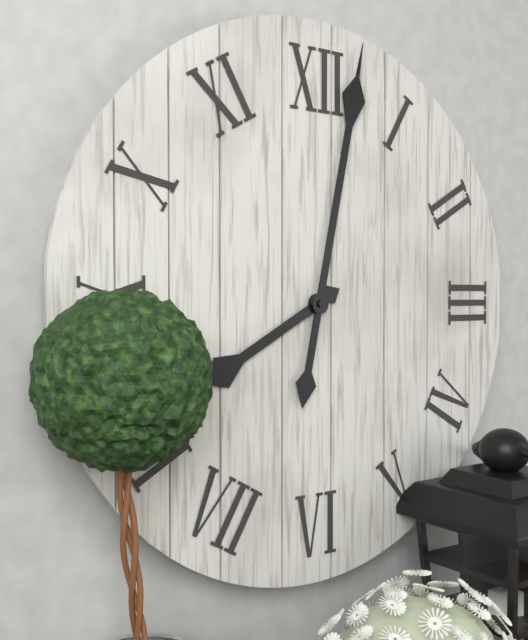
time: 8:02
